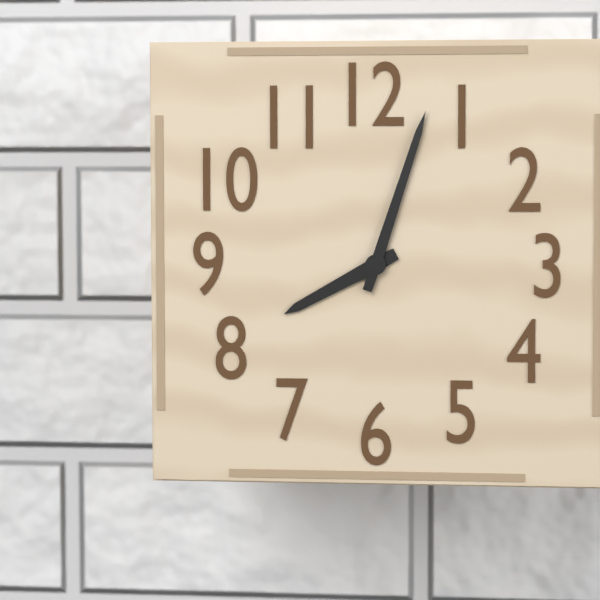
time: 8:03
